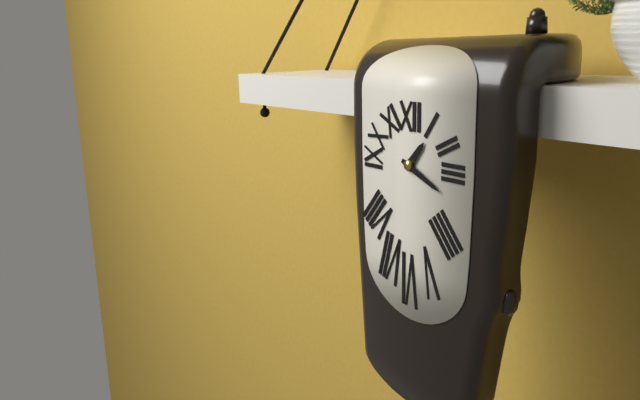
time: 1:19
